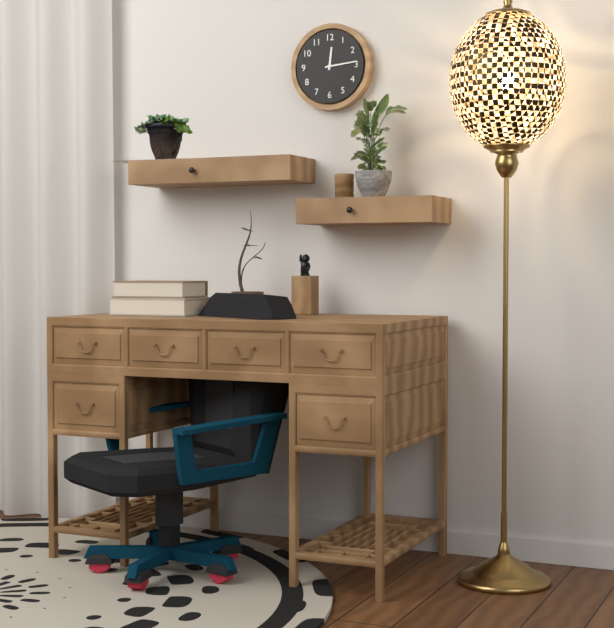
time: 12:14
